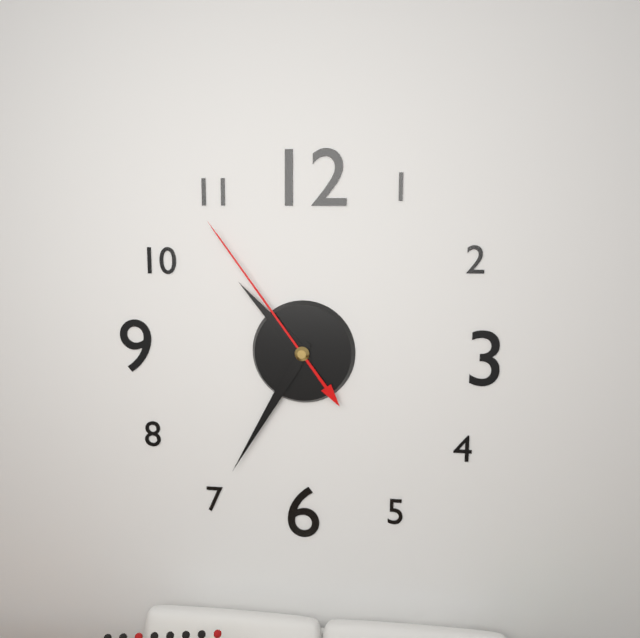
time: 10:35:54
